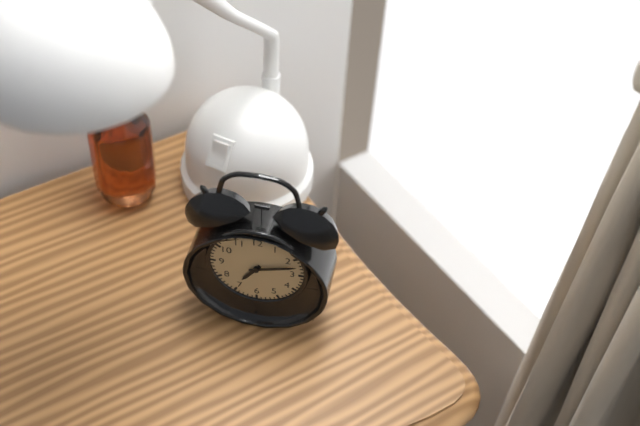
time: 7:12
